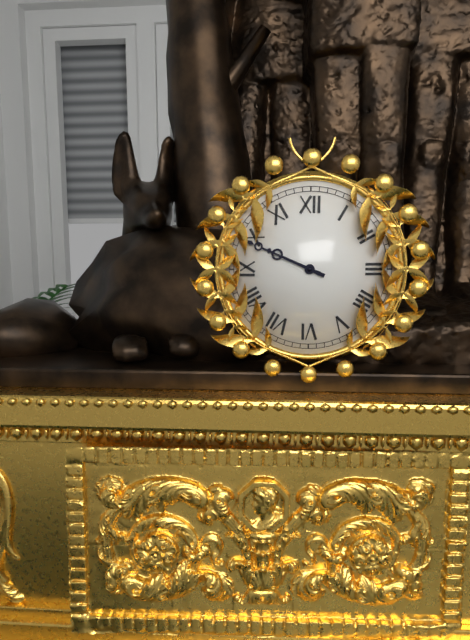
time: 9:49
